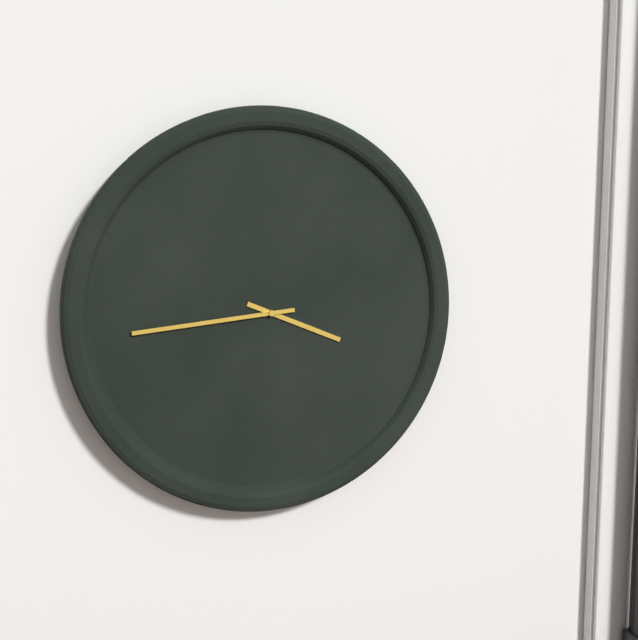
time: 3:44
